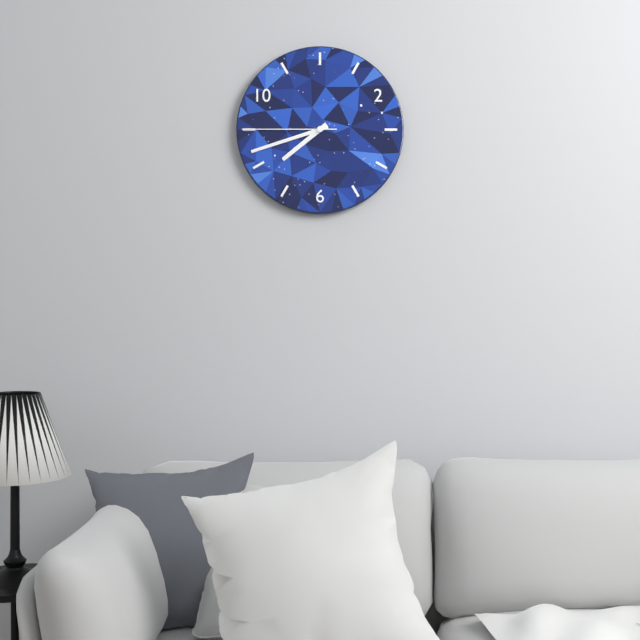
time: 7:42:45
